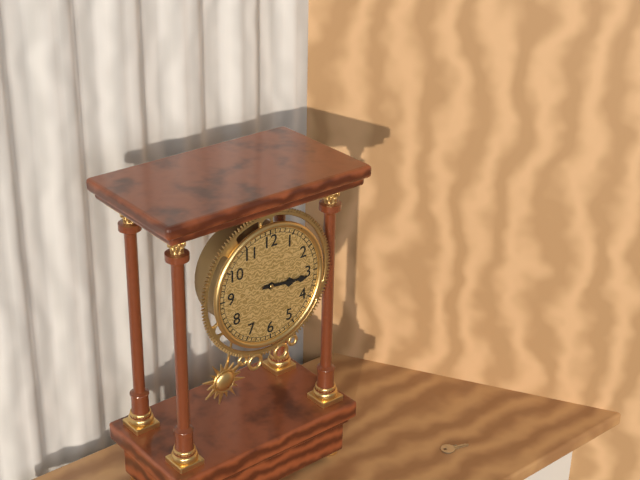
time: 3:16
